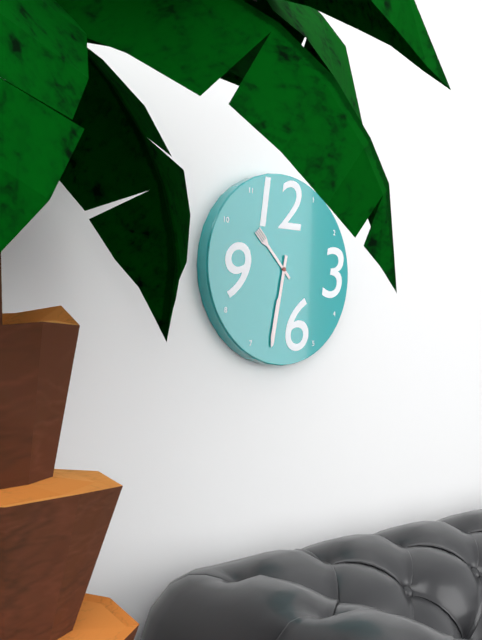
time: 10:32
